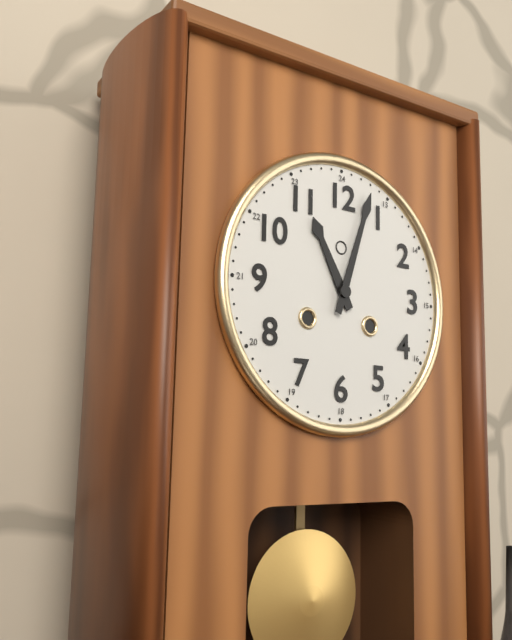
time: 11:03
